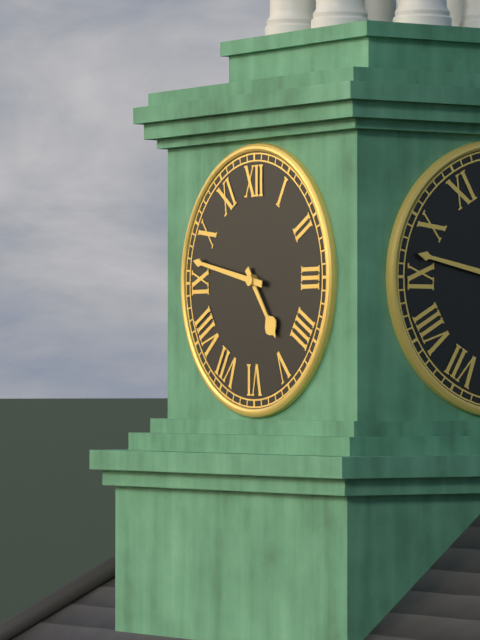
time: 4:47
